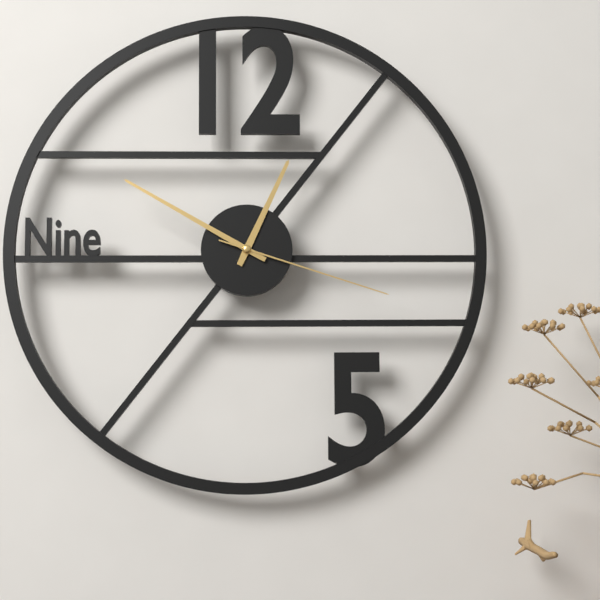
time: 12:50:18
